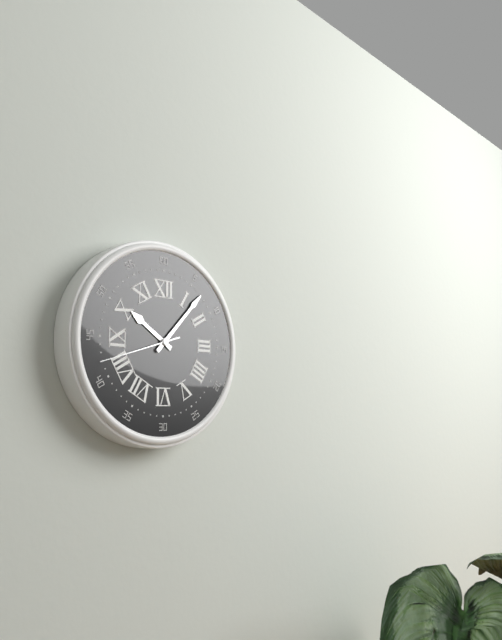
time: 10:07:42
